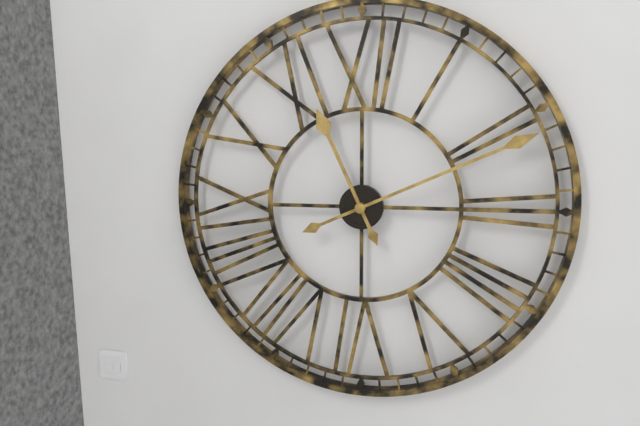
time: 11:11
